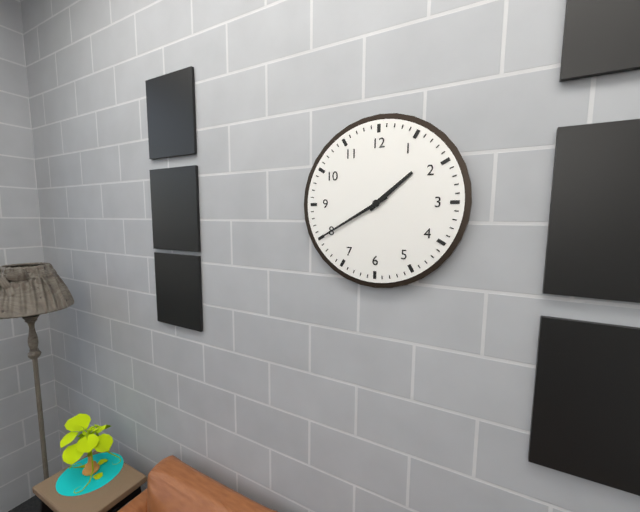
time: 1:40
